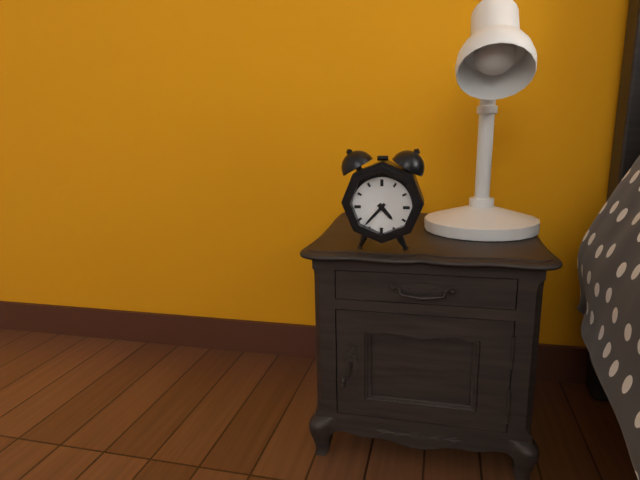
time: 4:37
